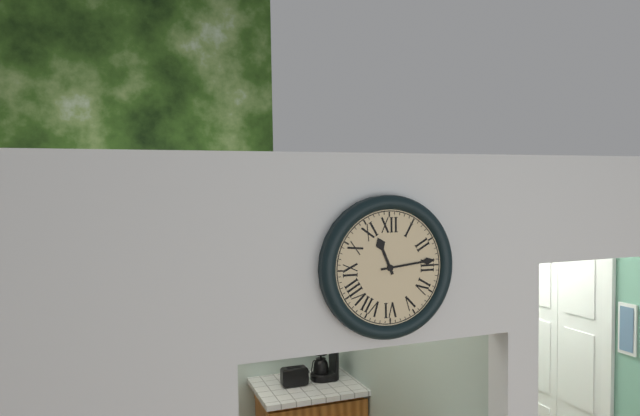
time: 11:14
